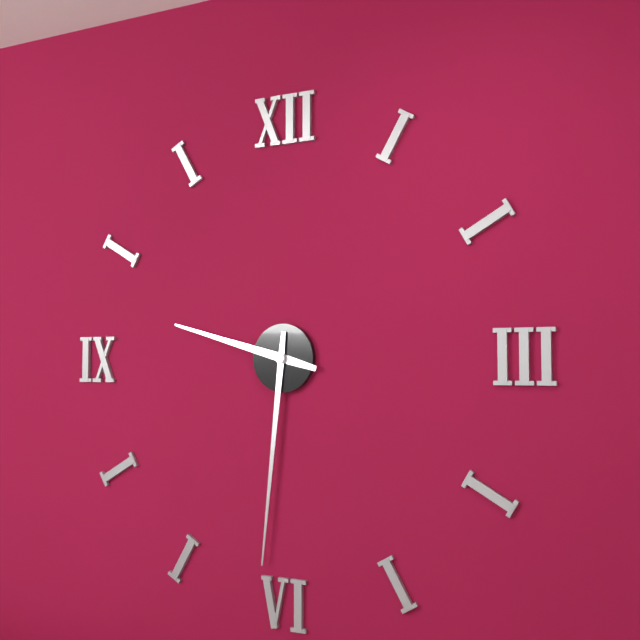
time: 9:31
